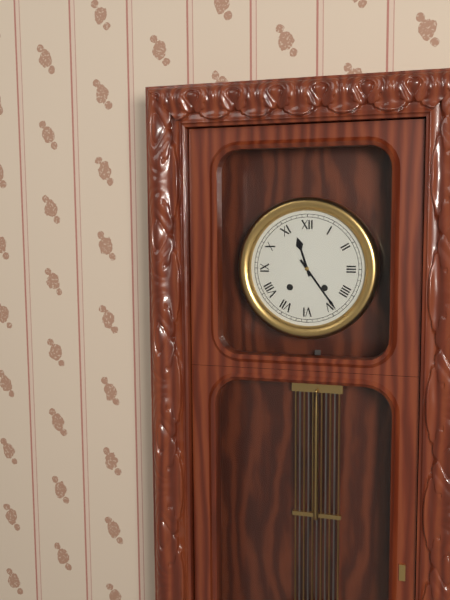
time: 11:24
